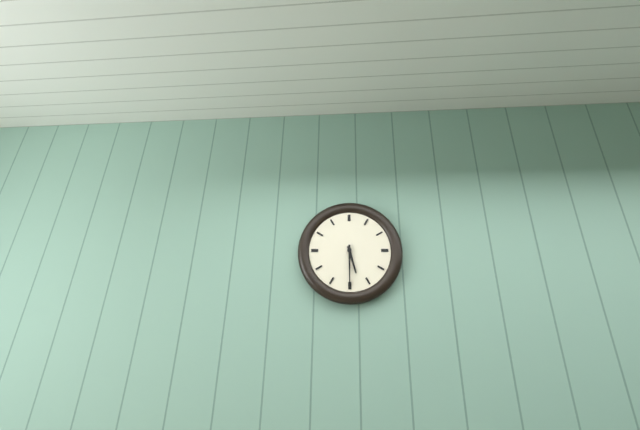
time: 5:30
